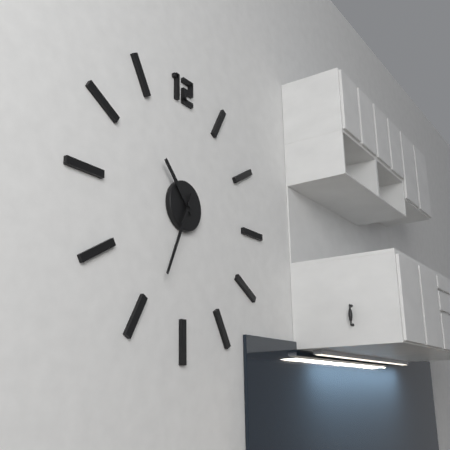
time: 10:34
